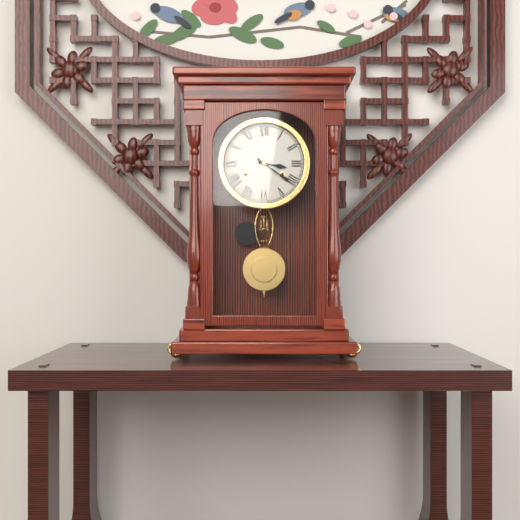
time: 3:21
